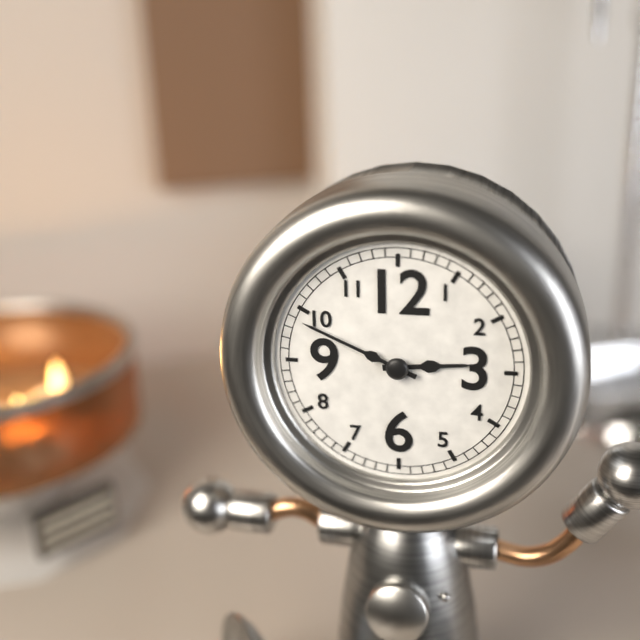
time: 2:49
